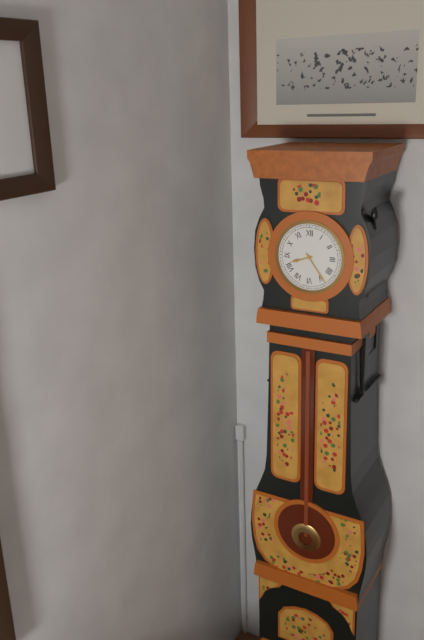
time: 8:24
